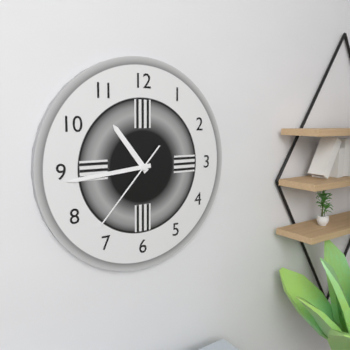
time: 10:44:37
